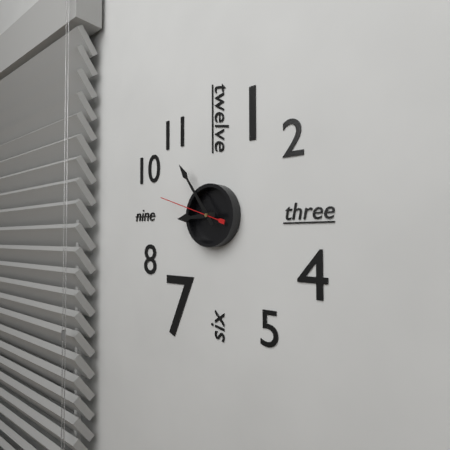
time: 8:54:48
